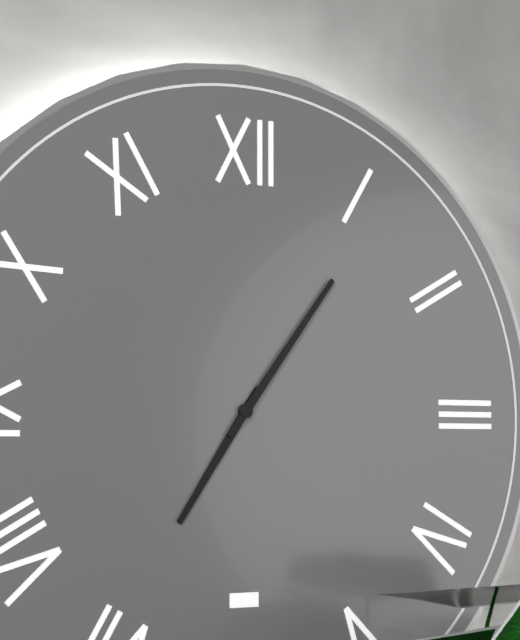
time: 7:06
